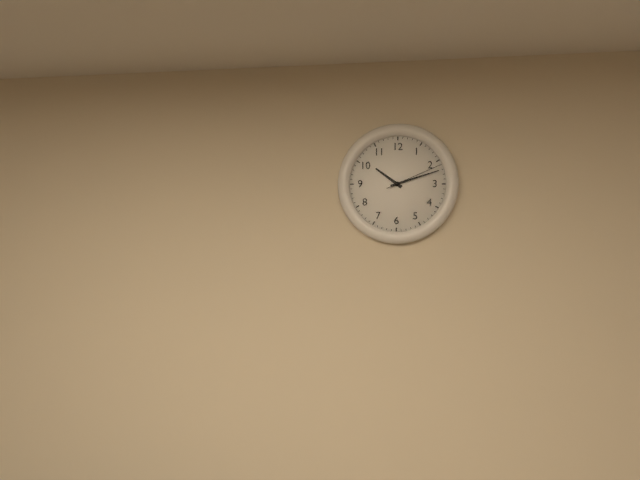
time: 10:12:11
